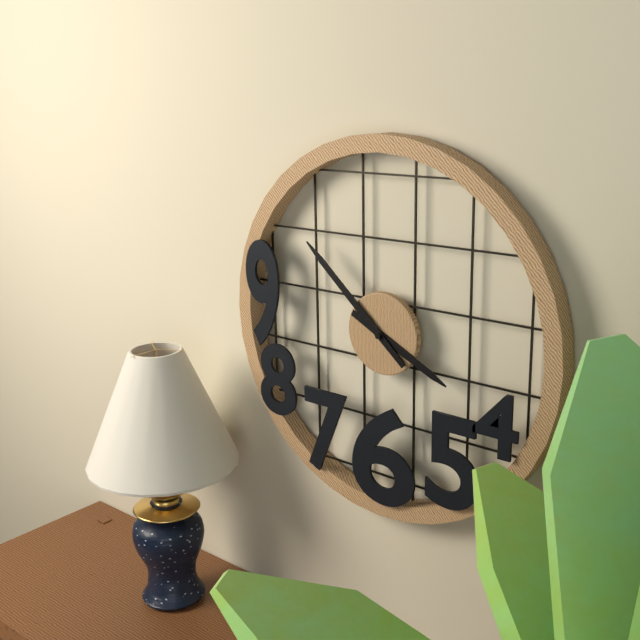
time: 3:52
